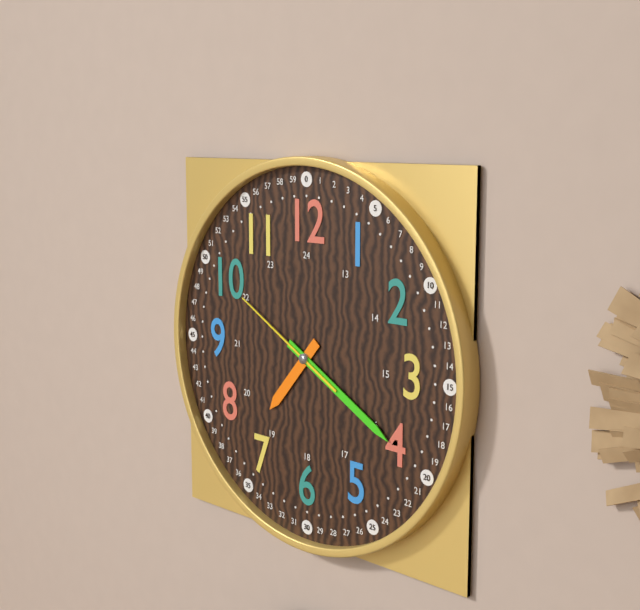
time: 7:20:50
